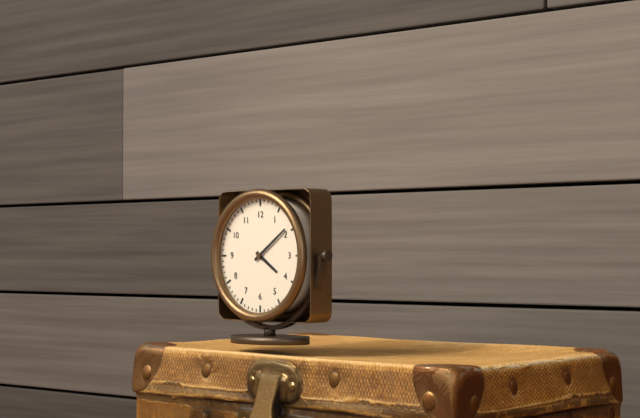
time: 4:09
